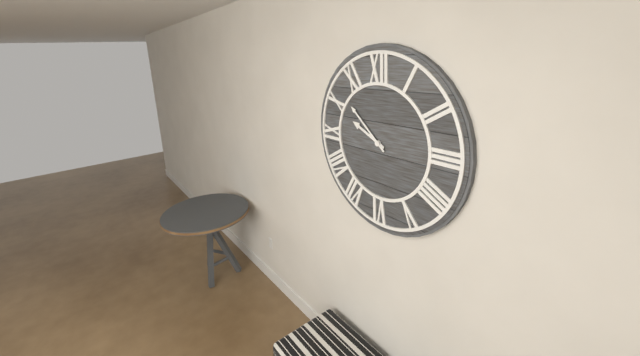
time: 9:52
